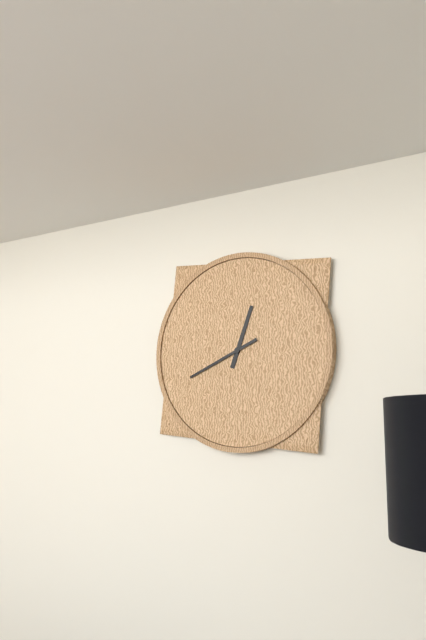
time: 12:41
